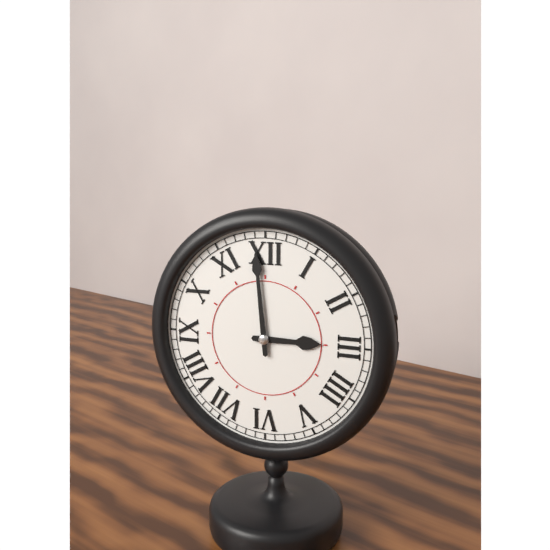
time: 2:59
